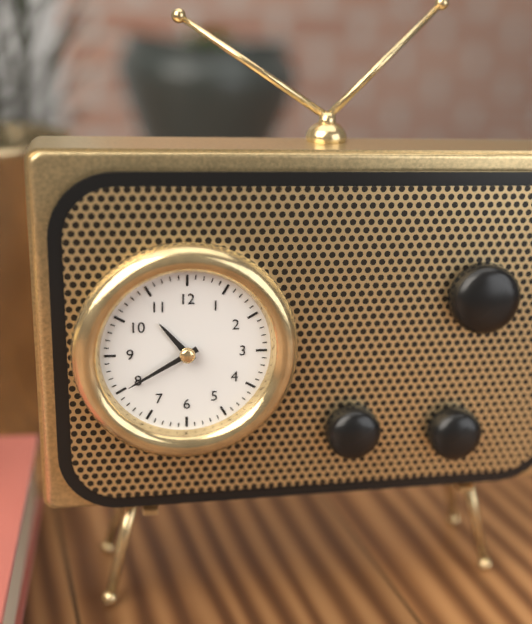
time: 10:40
